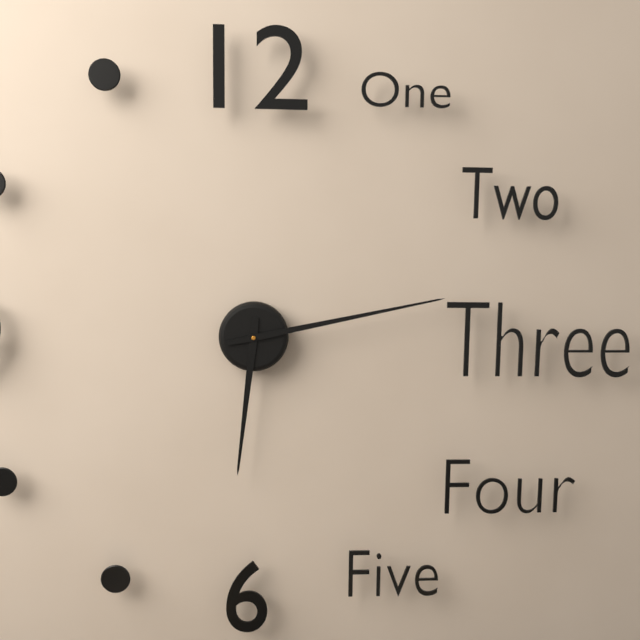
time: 6:13
